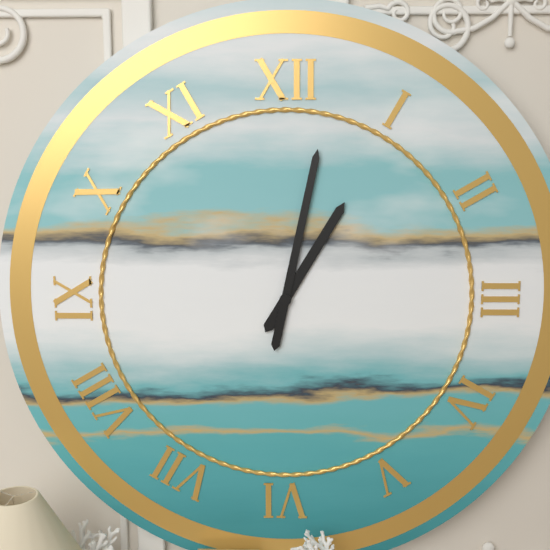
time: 1:02
